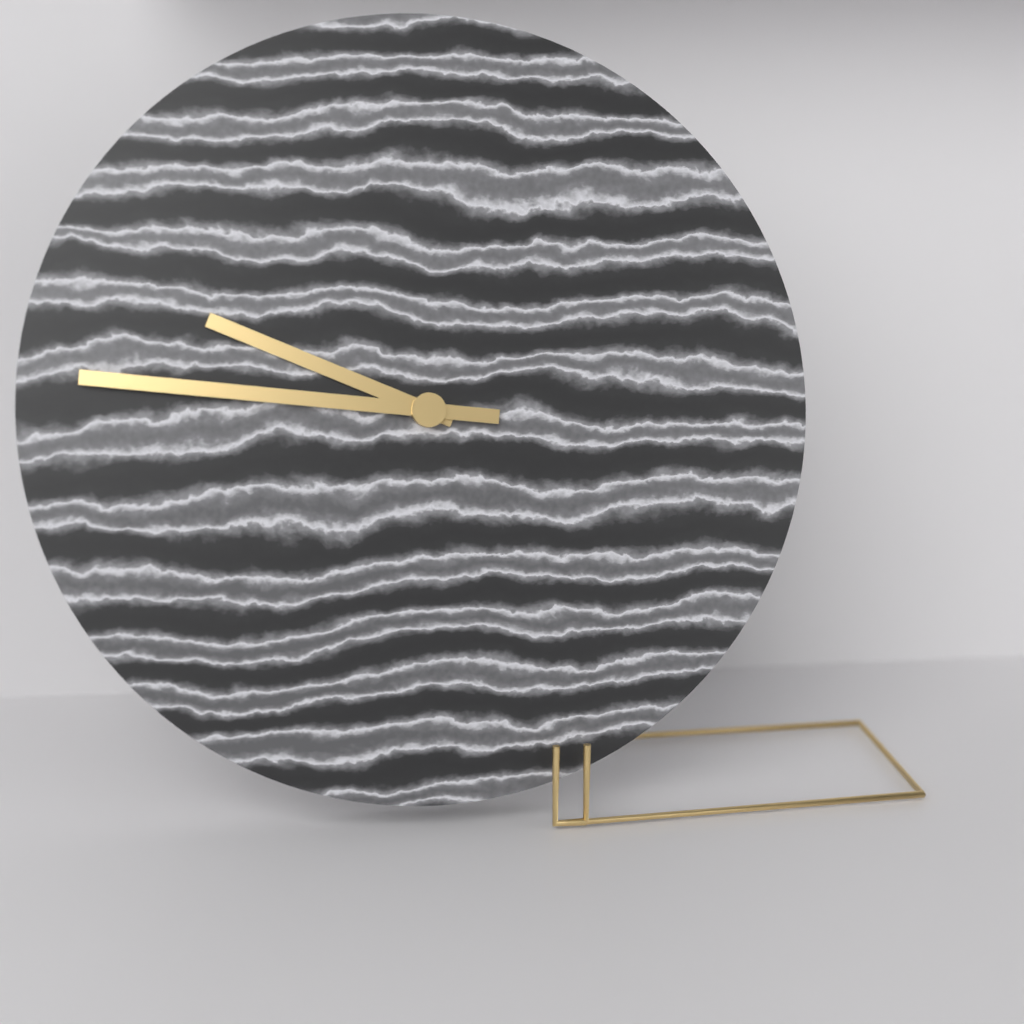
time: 9:46
